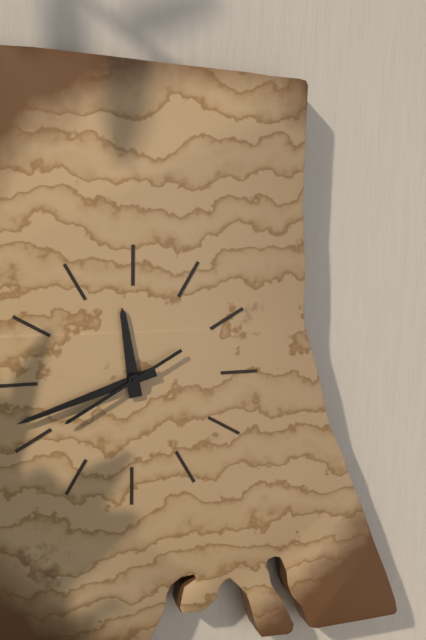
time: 11:42:40
